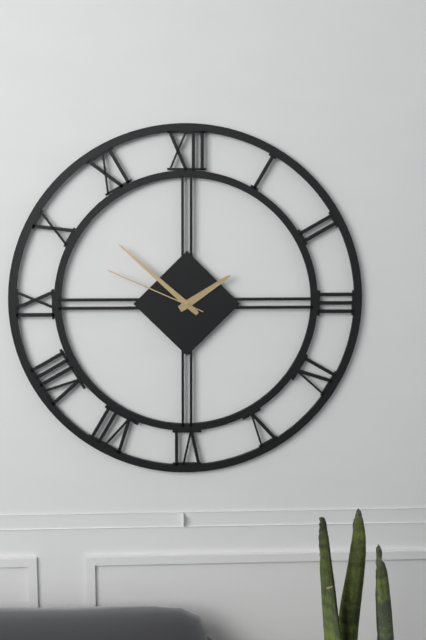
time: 1:52:49
